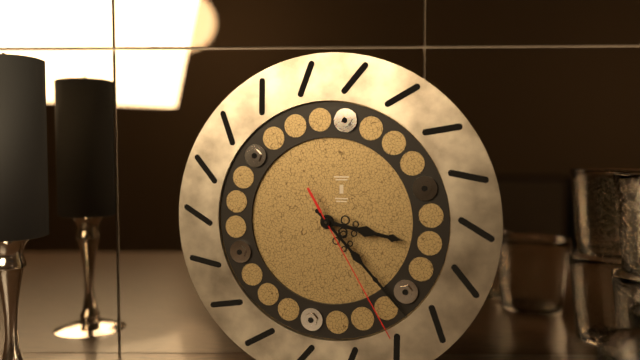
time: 3:23:25
